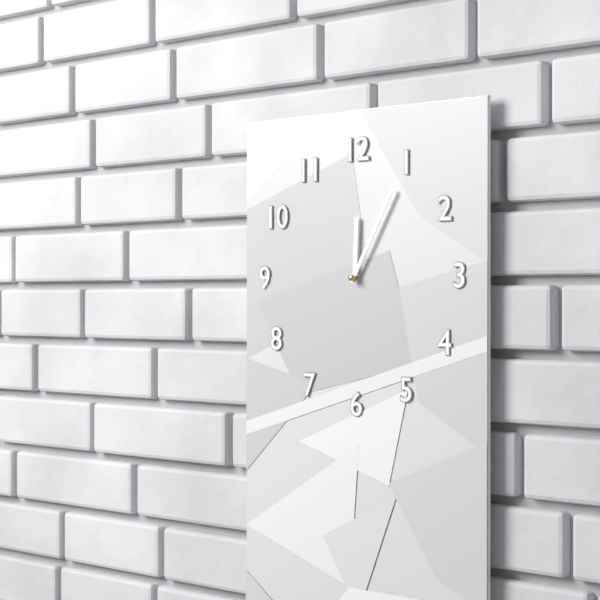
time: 12:05
